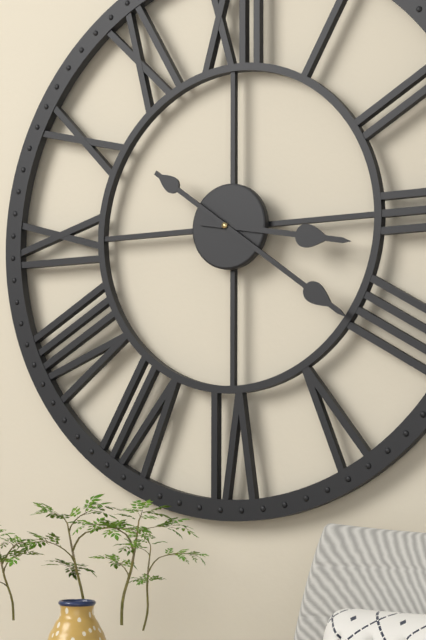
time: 3:21
